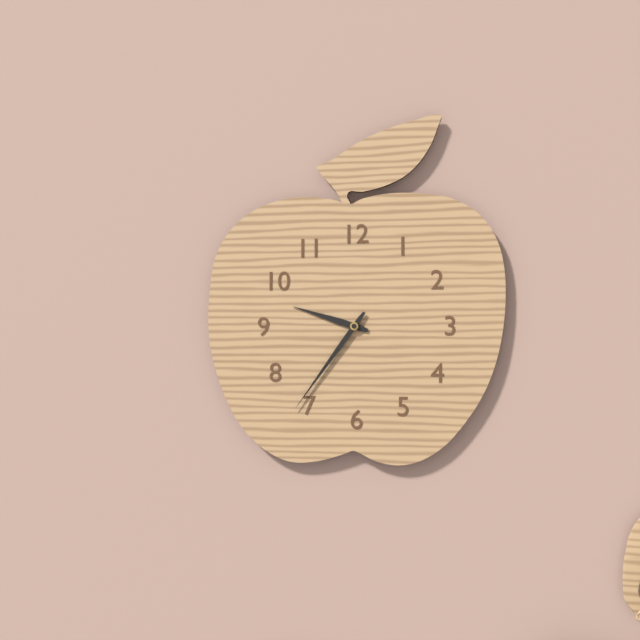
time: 9:36
